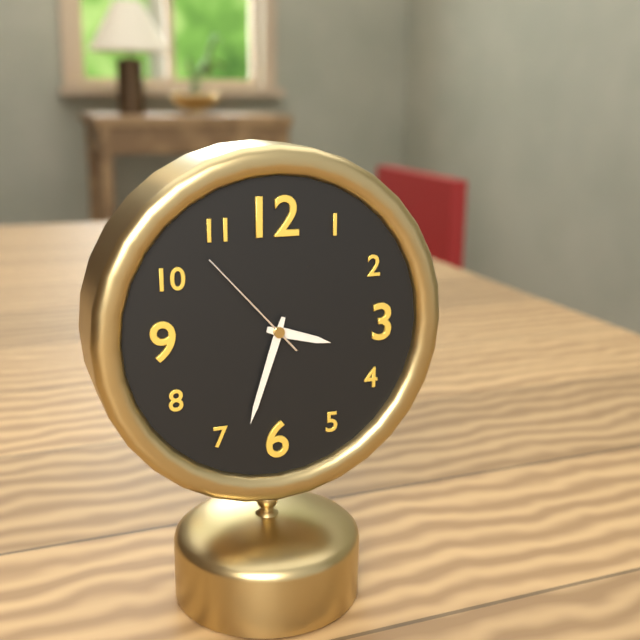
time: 3:33:53
